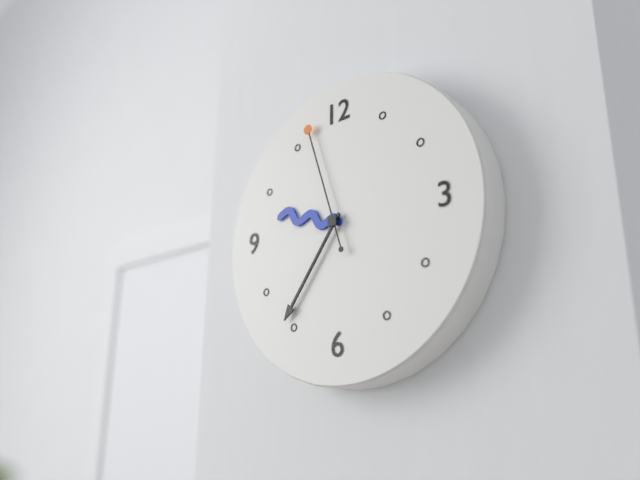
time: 9:36:57
